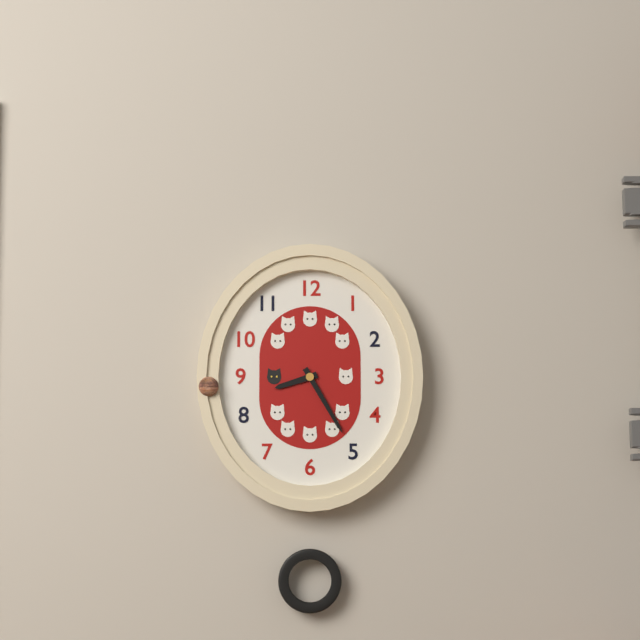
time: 8:25
